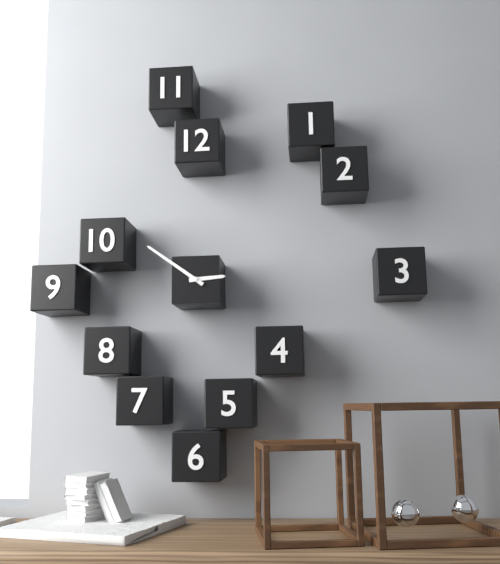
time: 2:51
